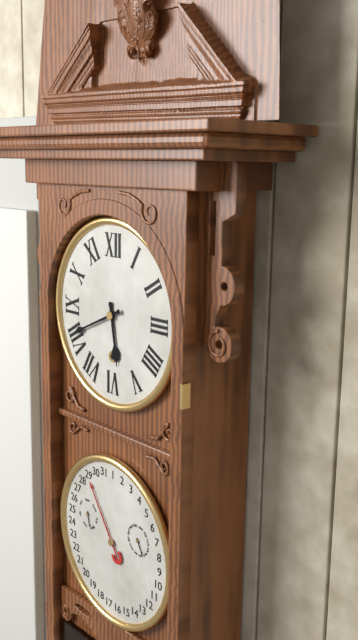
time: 5:41
